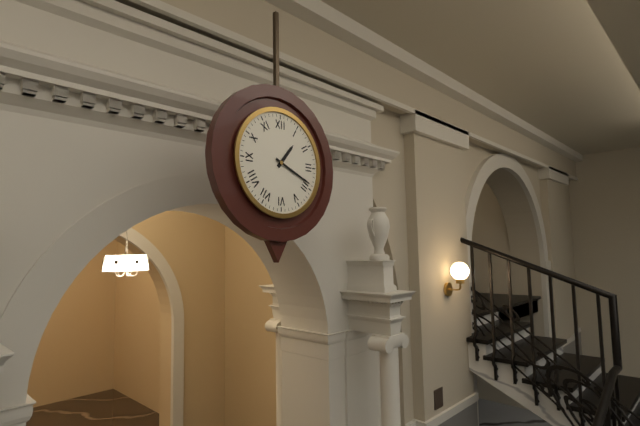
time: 1:19
